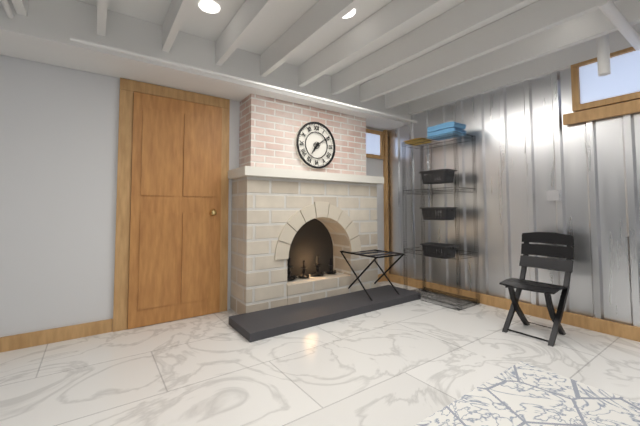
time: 7:09
